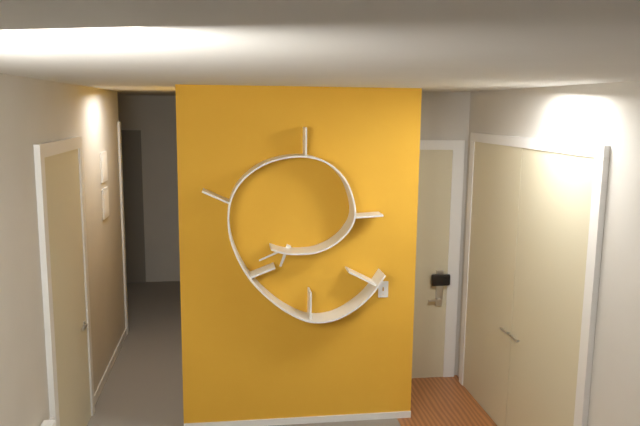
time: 6:41
